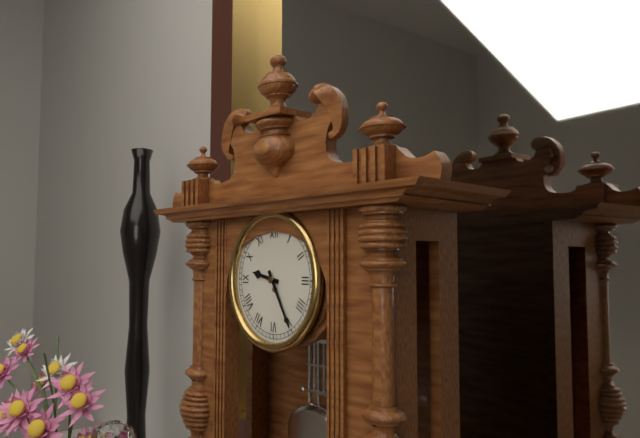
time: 9:25
